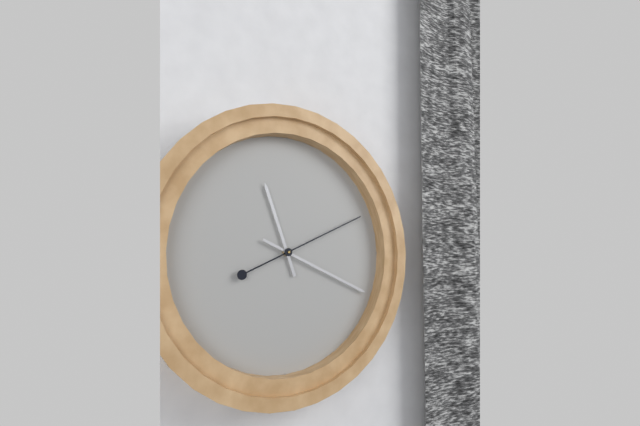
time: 11:19:11
